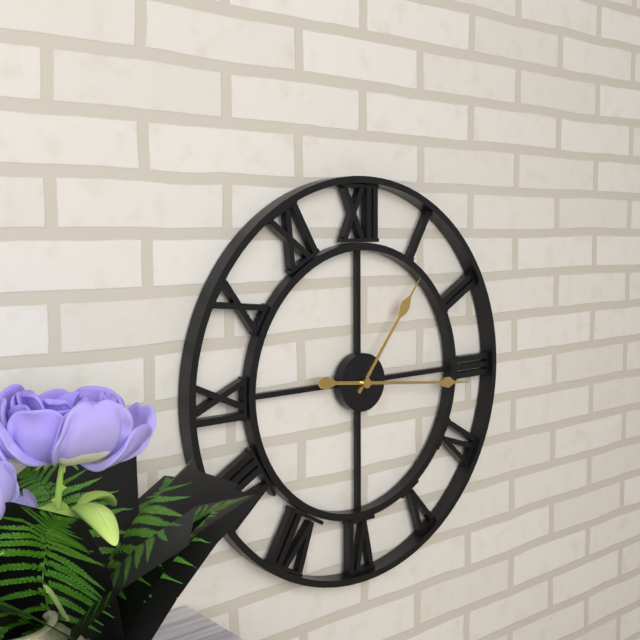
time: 1:16
